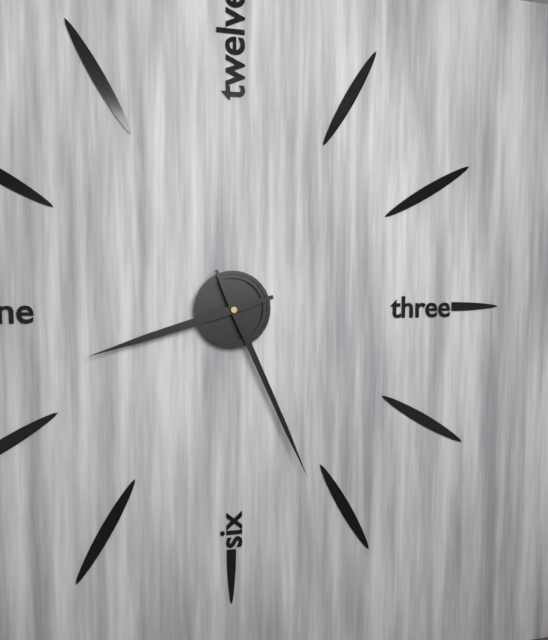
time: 8:26
